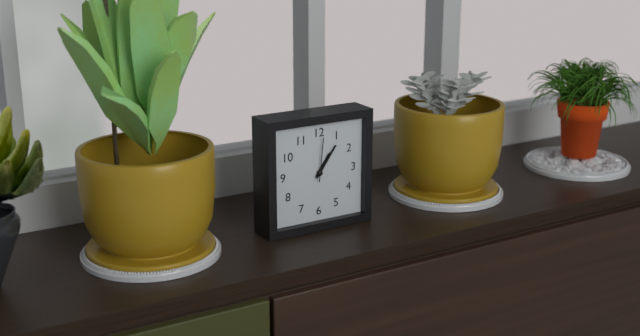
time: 1:06
